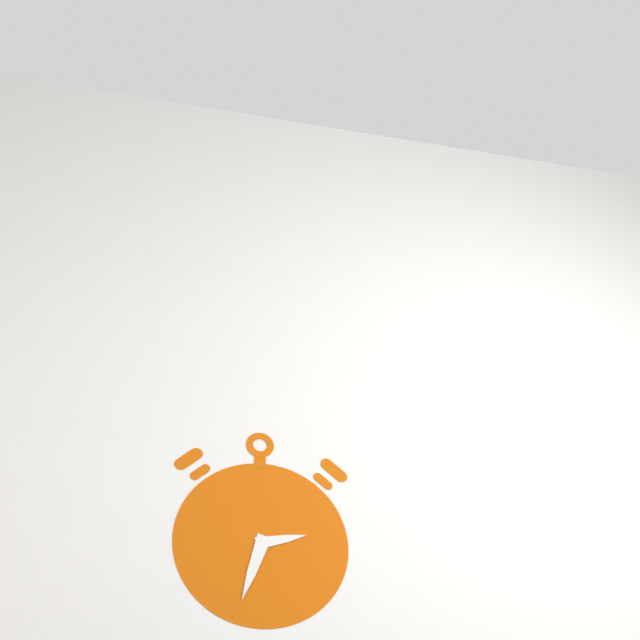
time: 2:33
